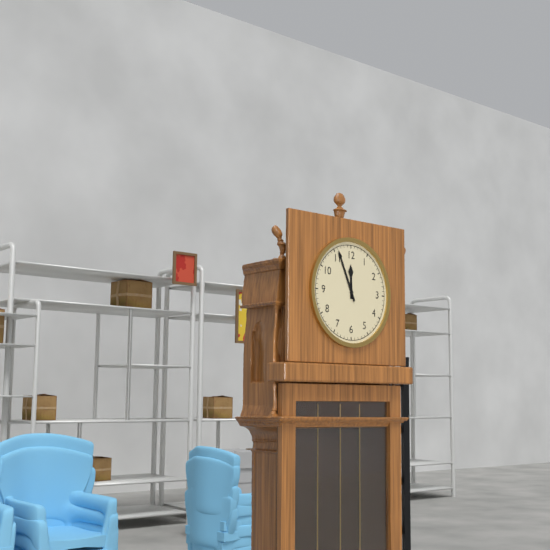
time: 11:56
